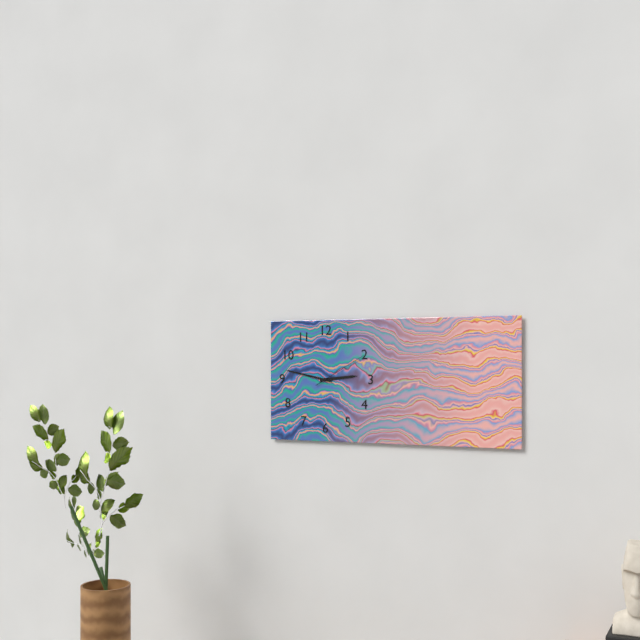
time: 2:47:10
